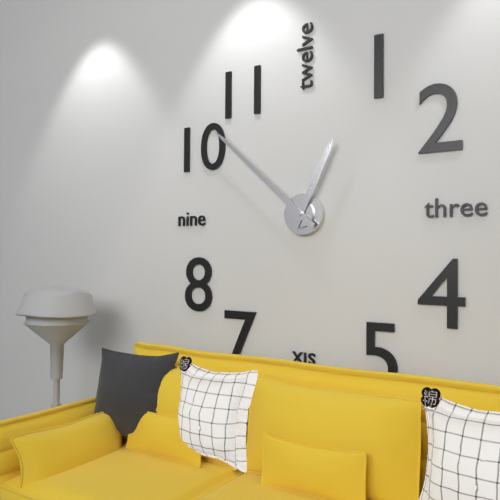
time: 12:52
